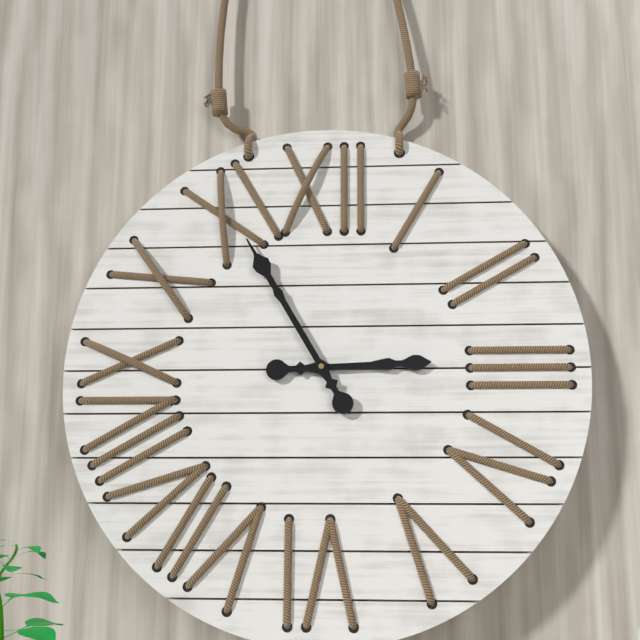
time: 2:55
